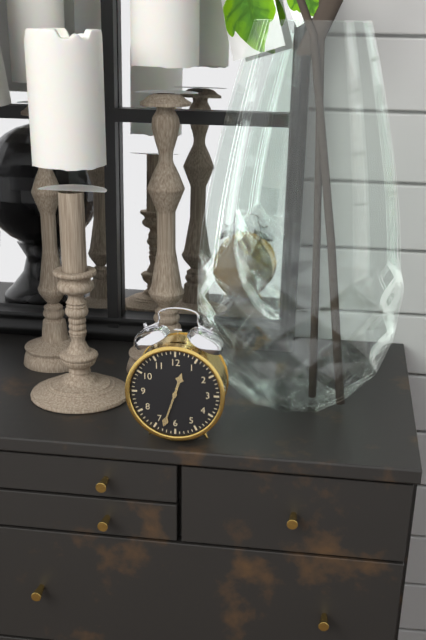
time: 12:33
